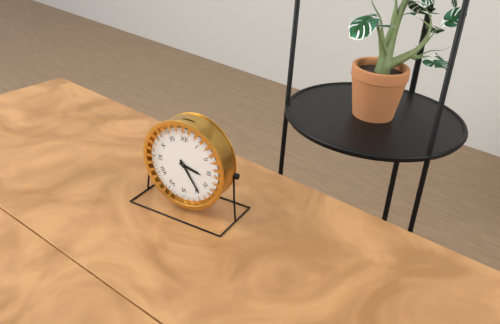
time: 3:24
